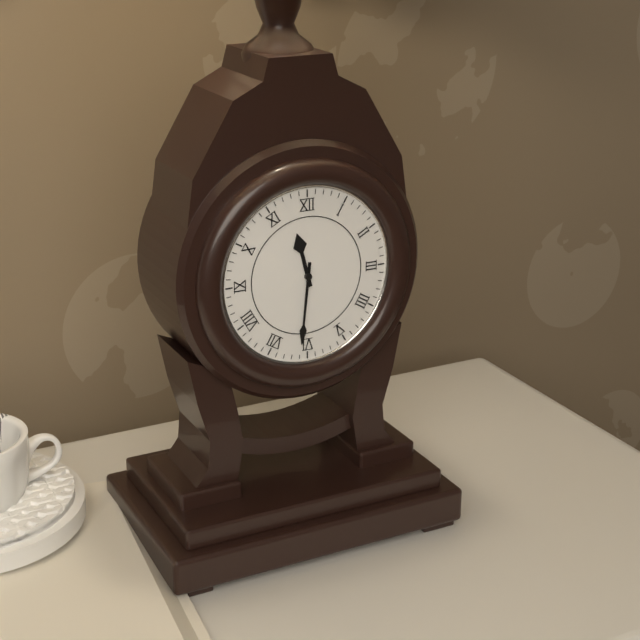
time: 11:31
